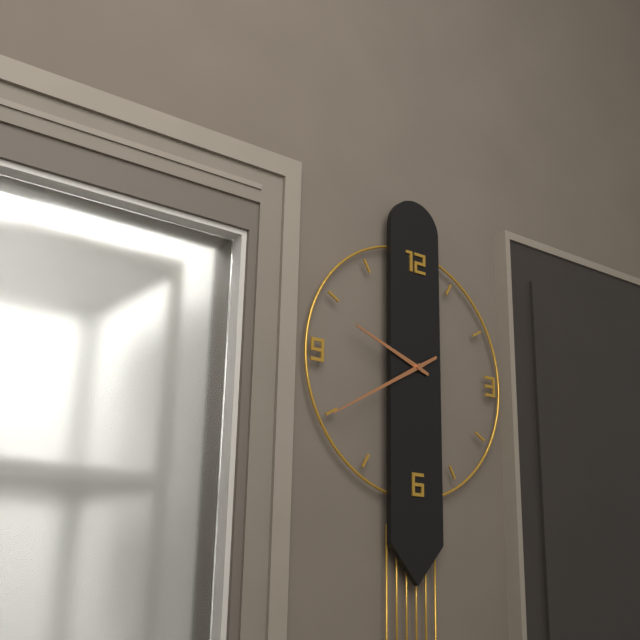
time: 9:40
